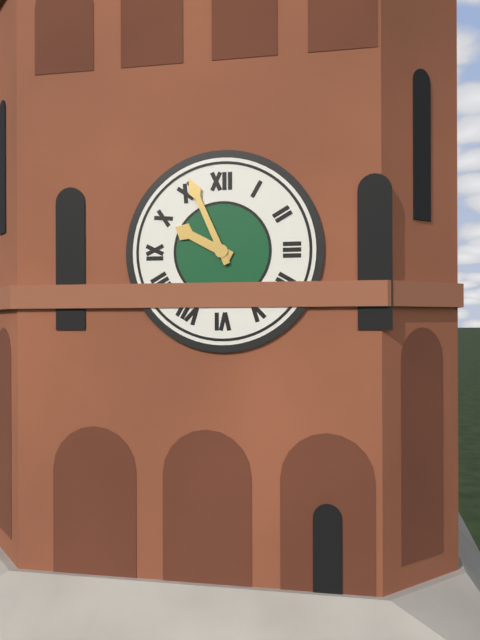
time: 9:56
